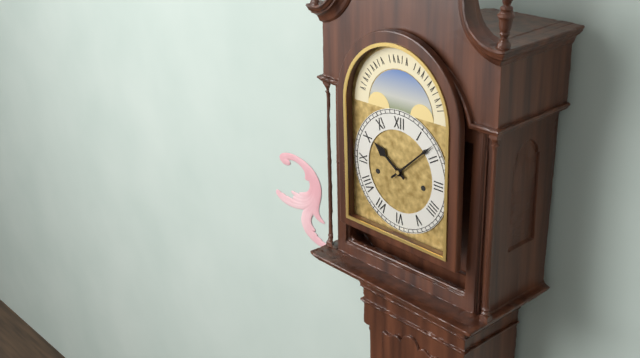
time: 10:08
